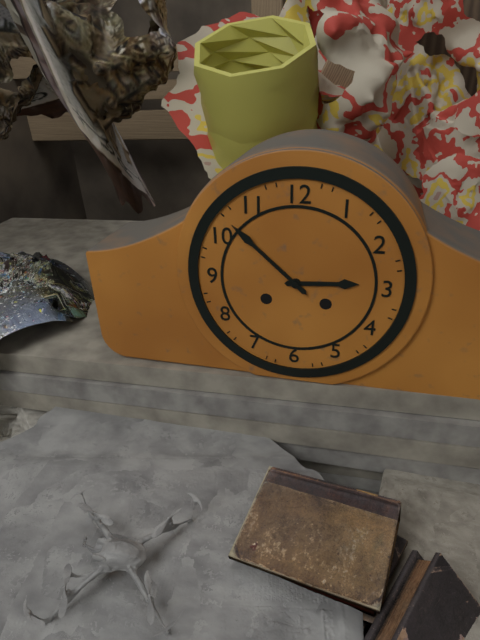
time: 2:52
